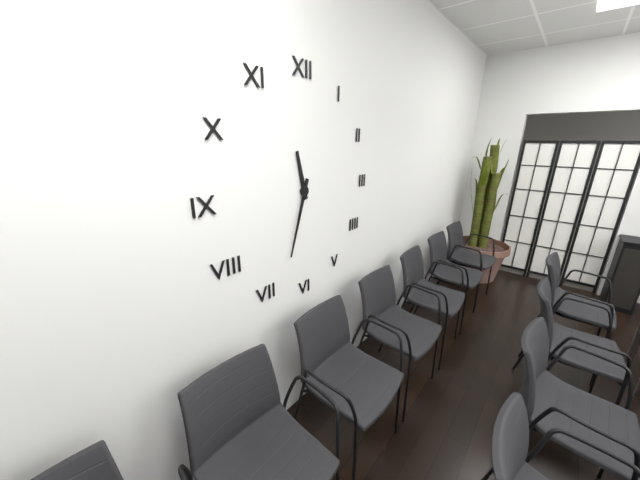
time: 11:33
